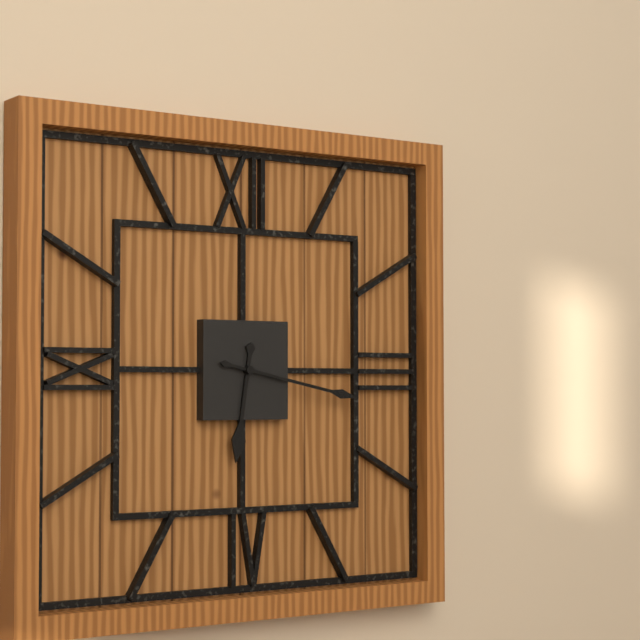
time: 6:17
